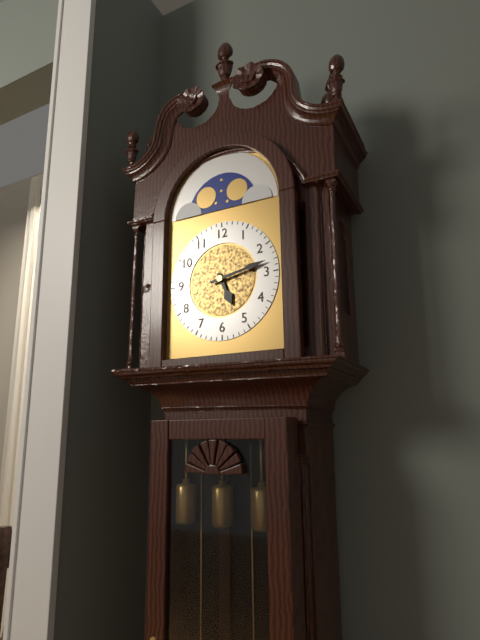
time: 5:13
